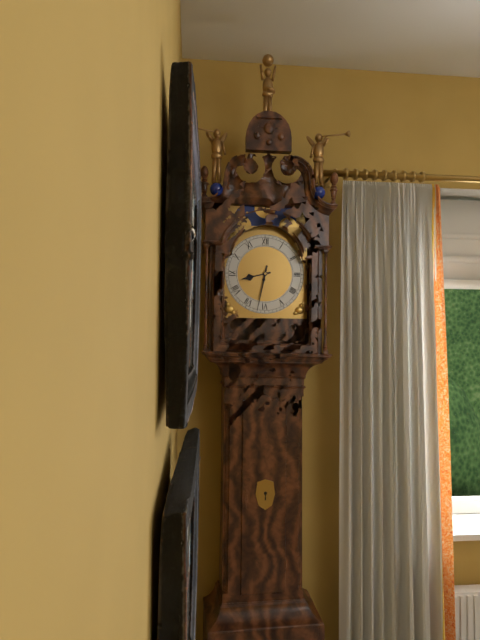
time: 8:32
